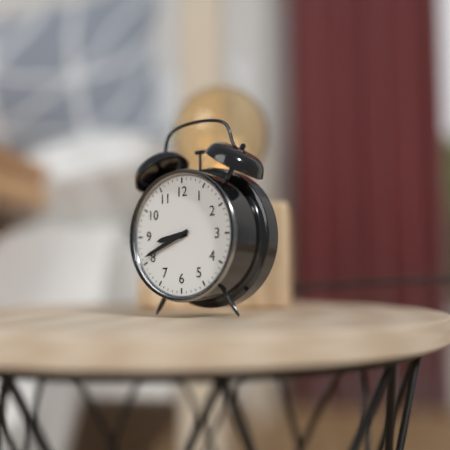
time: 8:41
